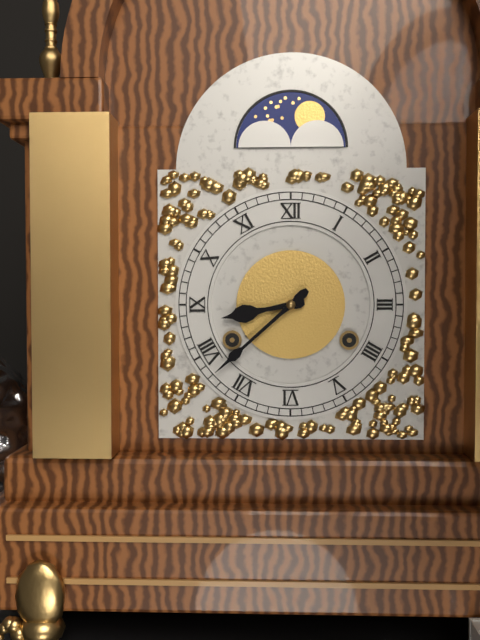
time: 8:38
